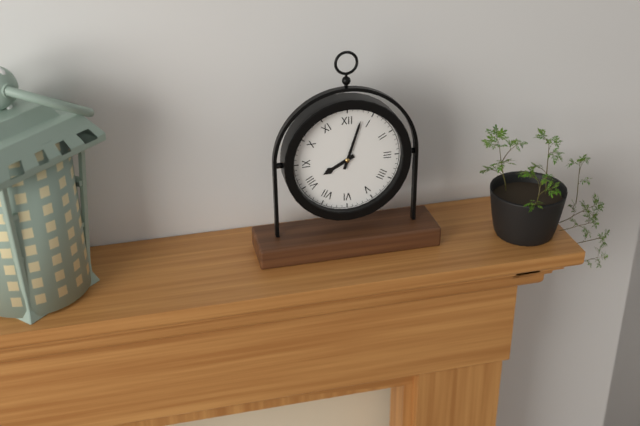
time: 8:03
